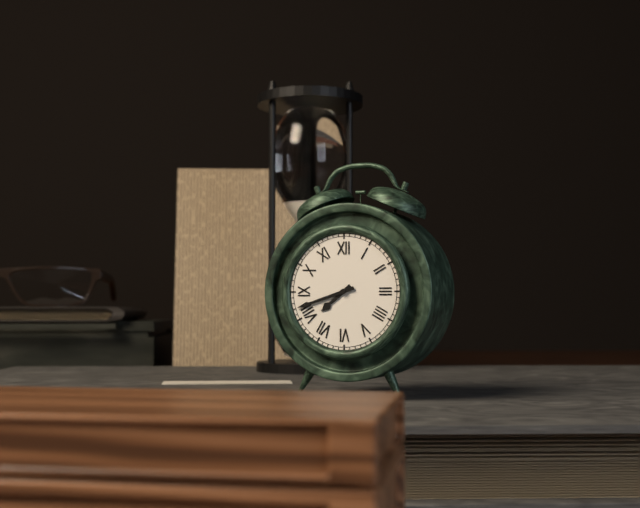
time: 7:42
